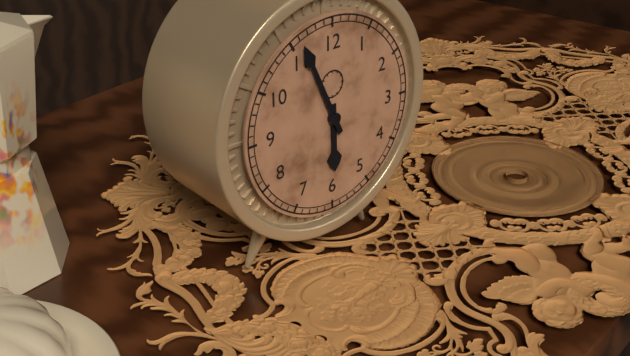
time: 5:56
